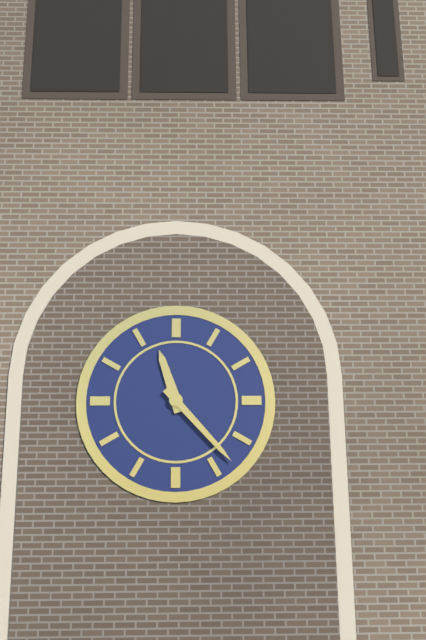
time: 11:23
